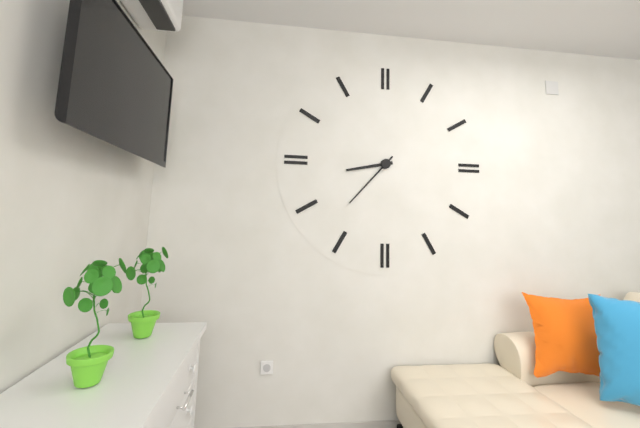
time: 8:37
